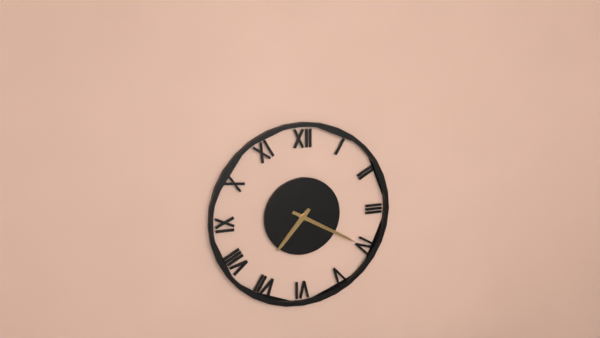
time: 7:20
